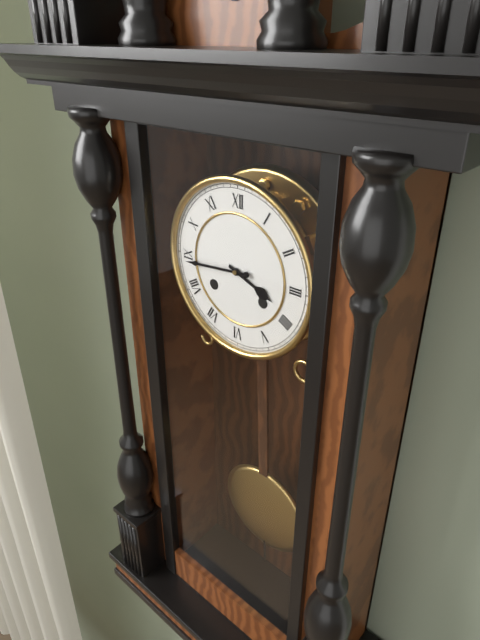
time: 3:44
